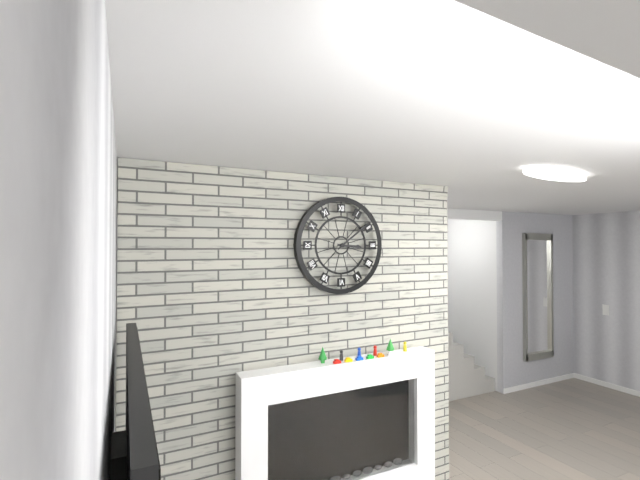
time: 3:09
